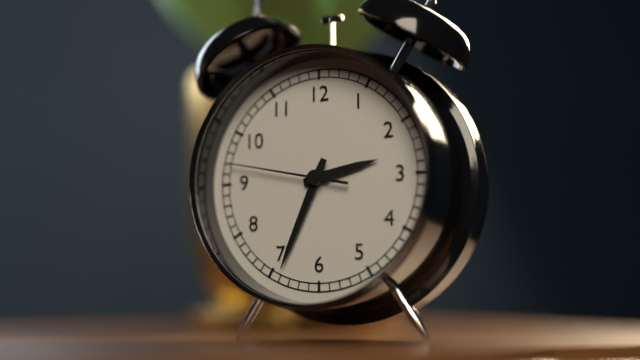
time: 2:34:47
